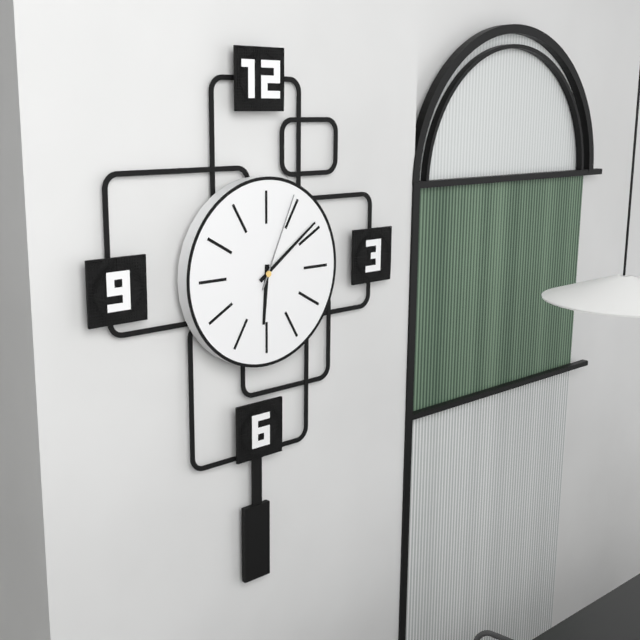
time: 6:09:04
